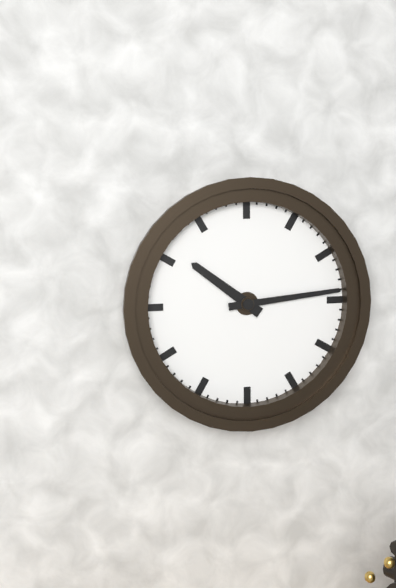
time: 10:14
